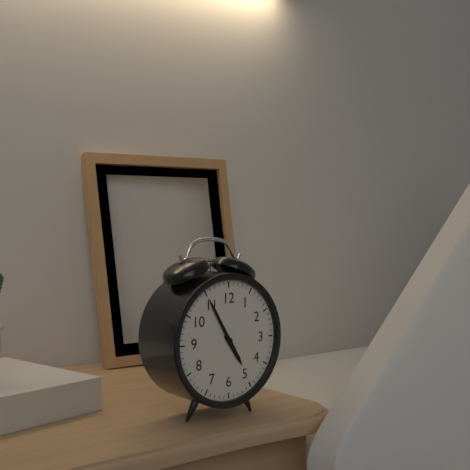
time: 4:55
